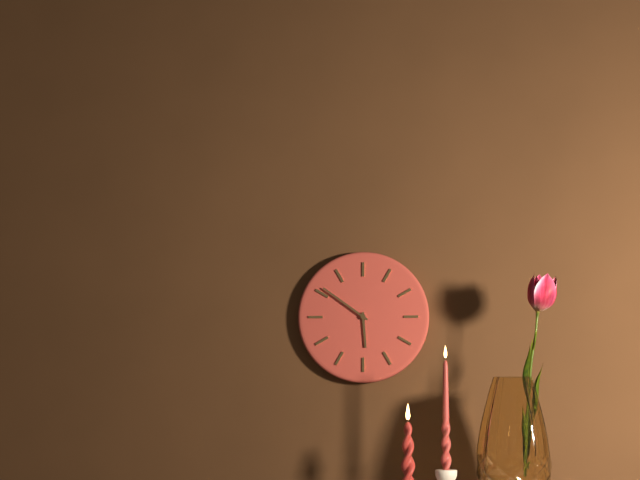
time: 5:51
